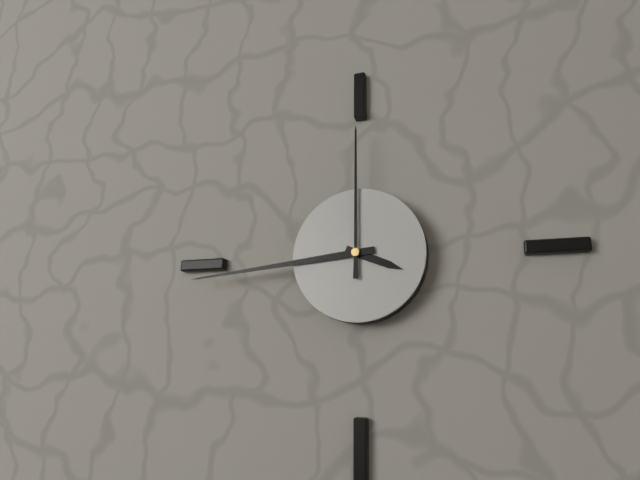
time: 3:44:00
